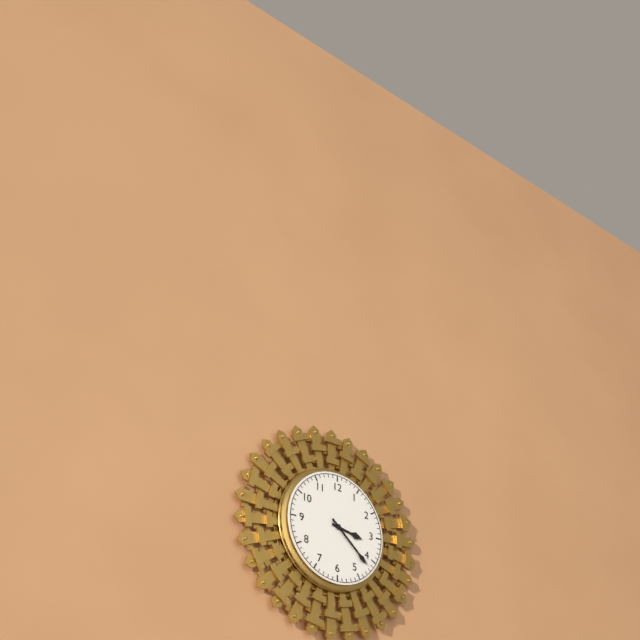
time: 3:22
